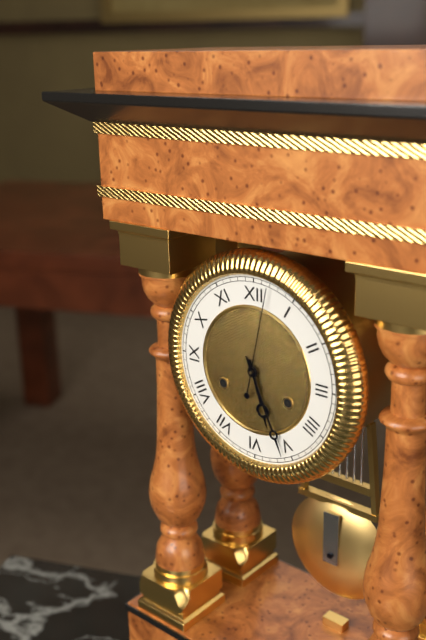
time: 5:26:02
